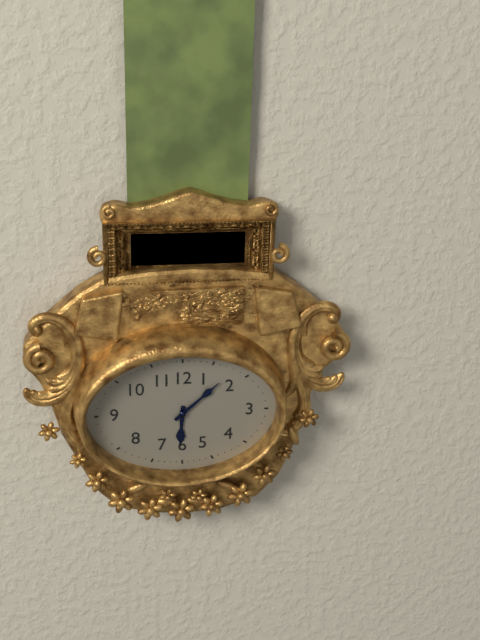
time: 6:08
